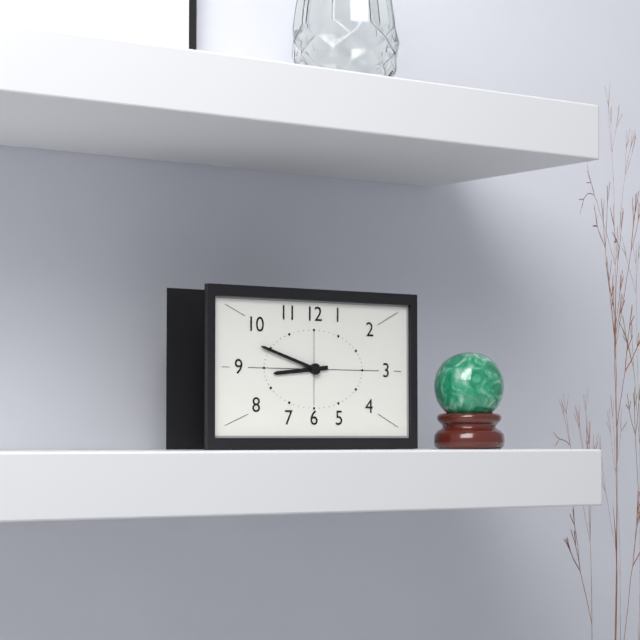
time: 8:48
